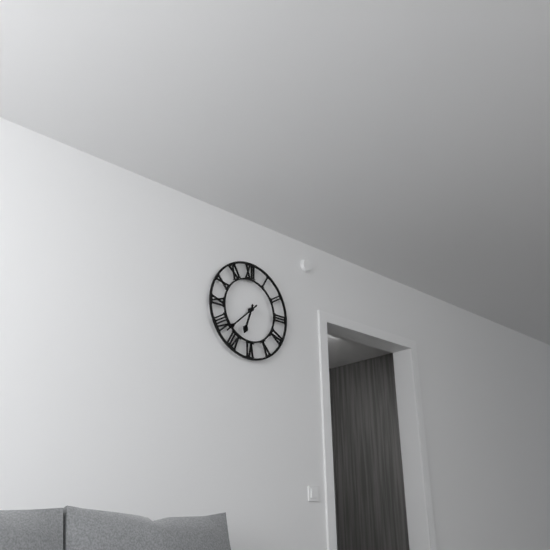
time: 6:38
